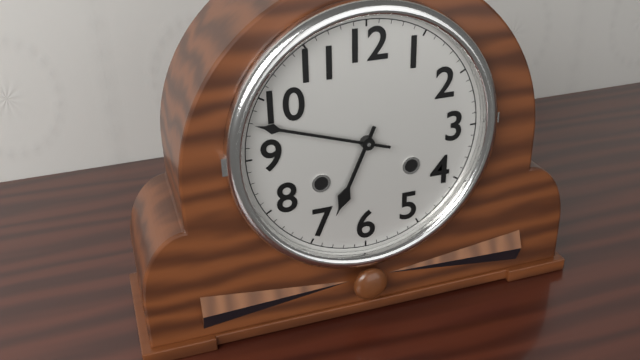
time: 6:48
